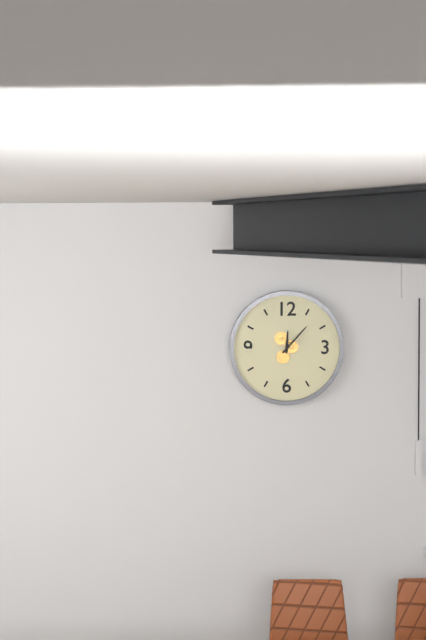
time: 12:07
